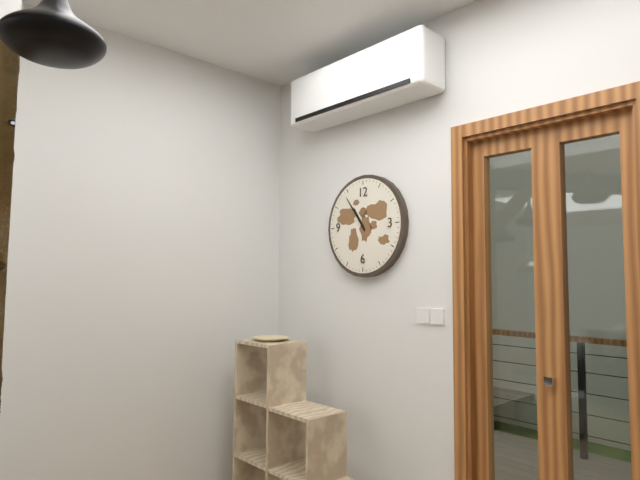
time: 10:54
